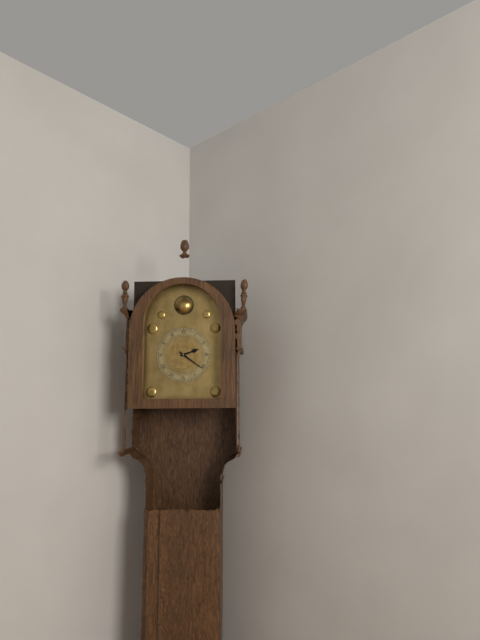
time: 2:21
